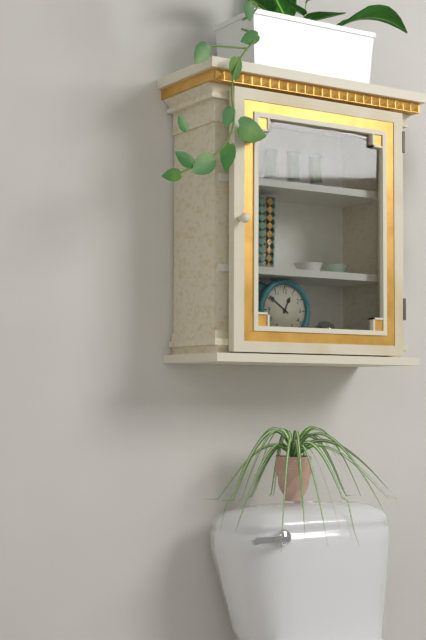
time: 12:51
